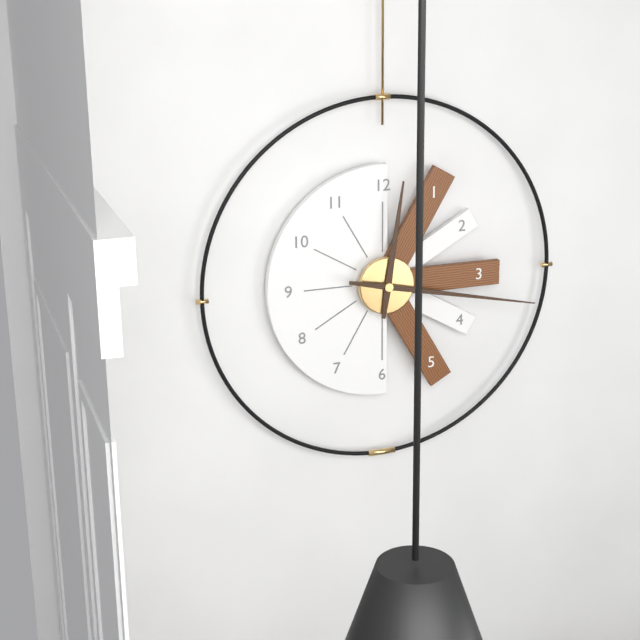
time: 12:17
